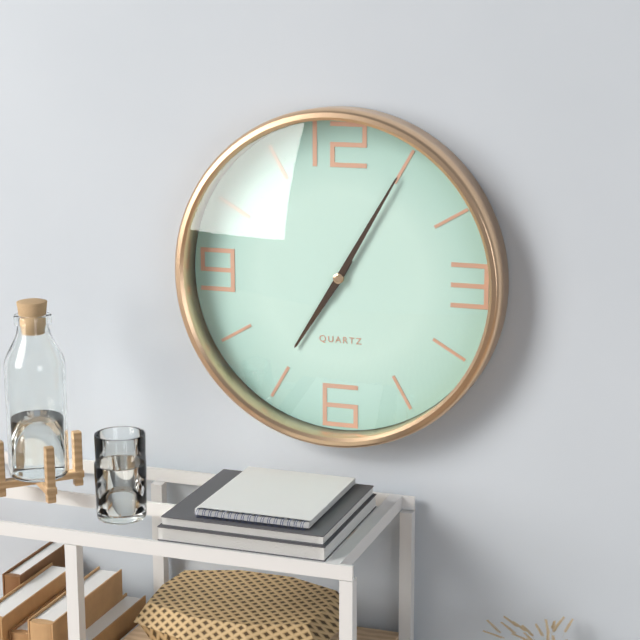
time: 7:05
